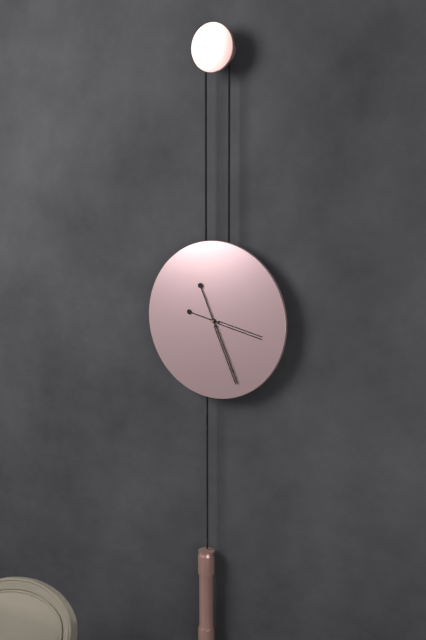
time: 3:26
